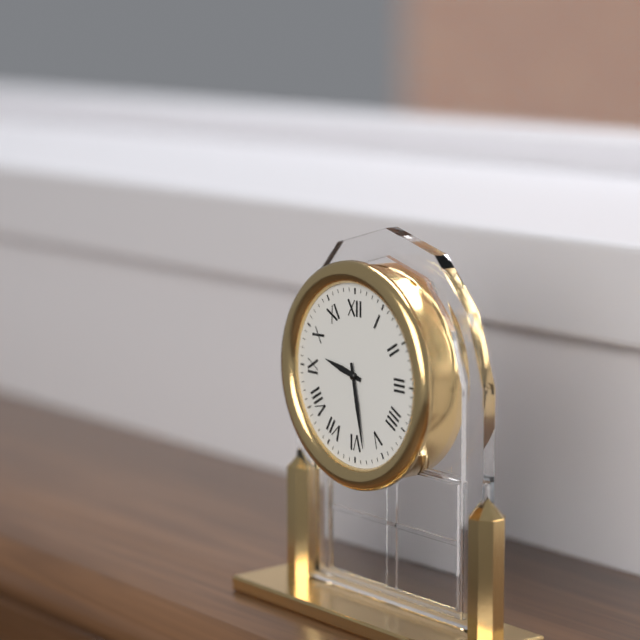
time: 9:28
